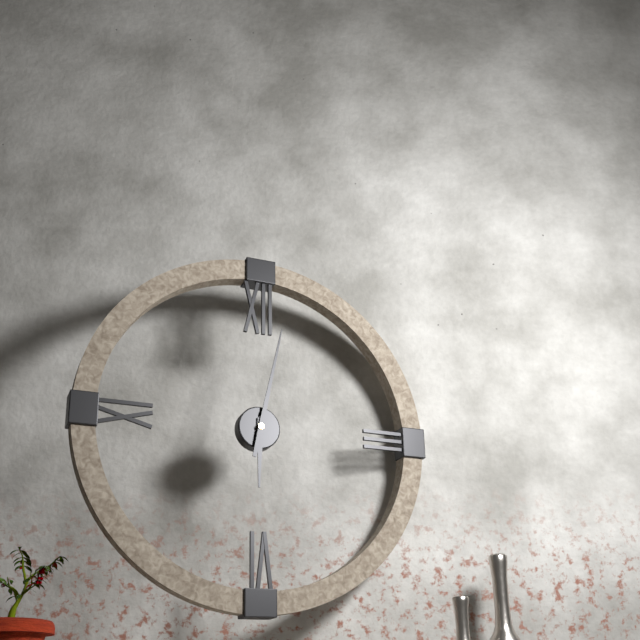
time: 6:02
